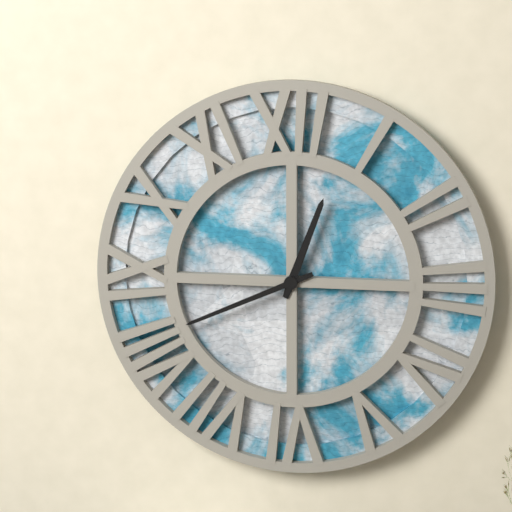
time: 12:41
